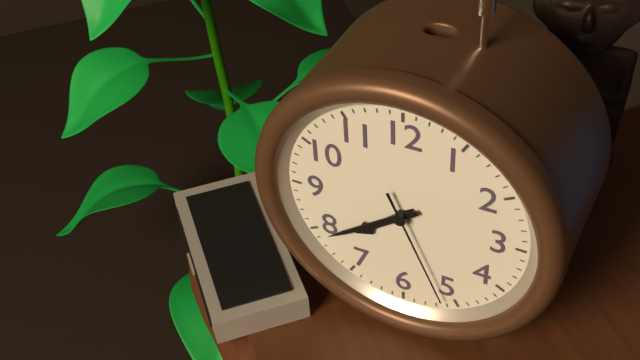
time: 7:39:26
